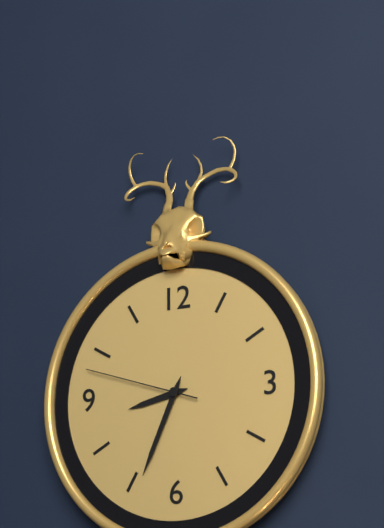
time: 8:34:48
